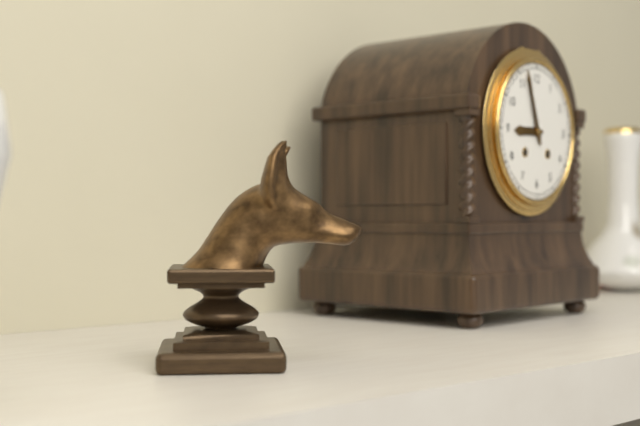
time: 8:57
